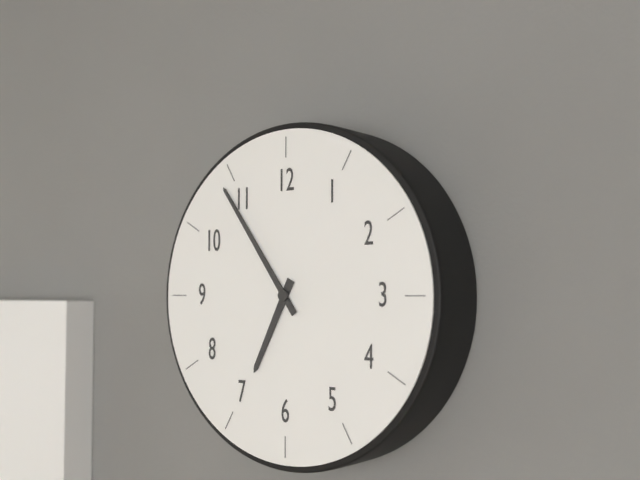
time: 6:54
